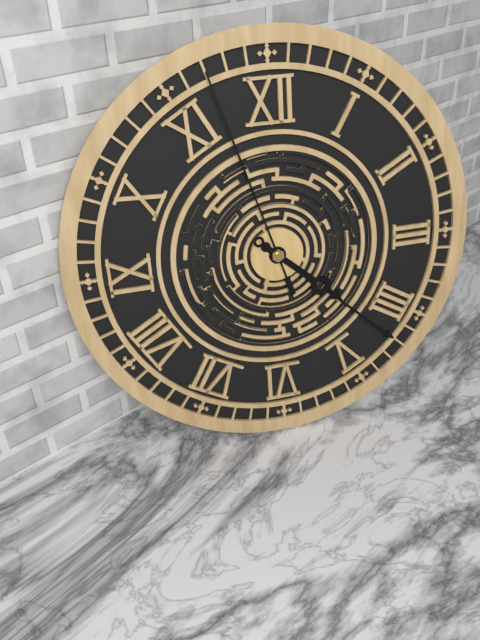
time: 4:22:57
